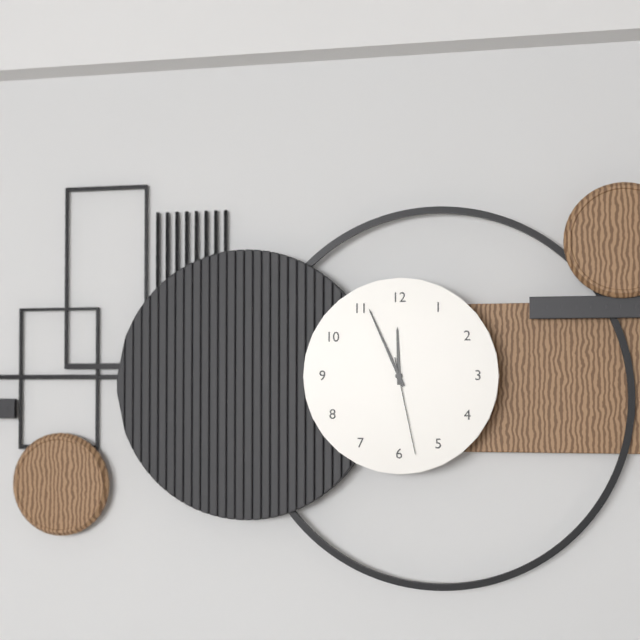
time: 11:56:28
